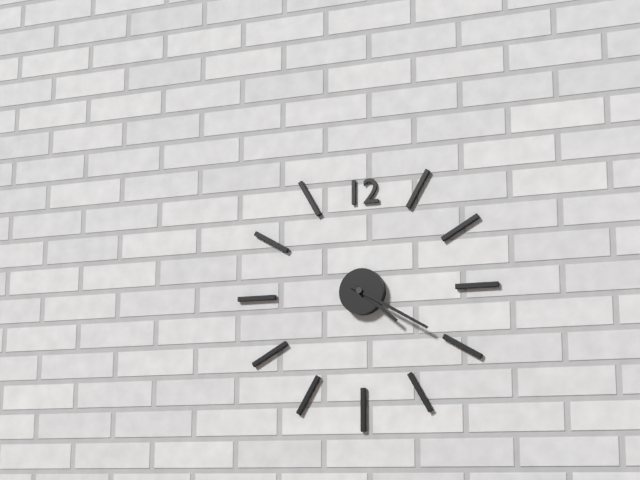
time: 4:20
